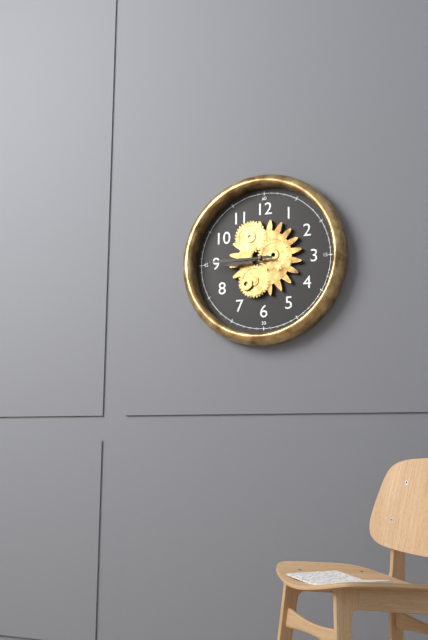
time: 8:45
